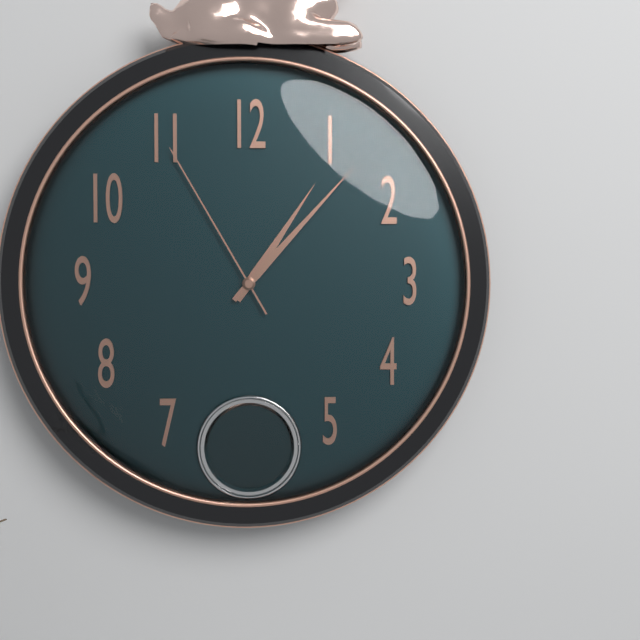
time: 1:07:55
